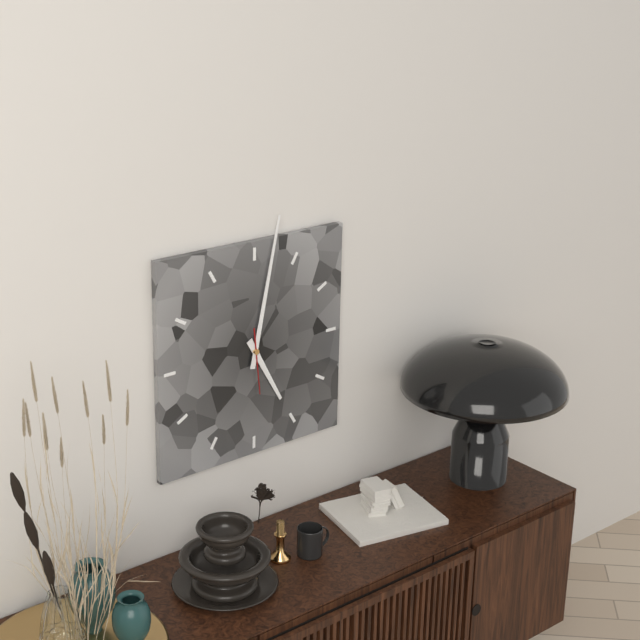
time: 5:02:29
